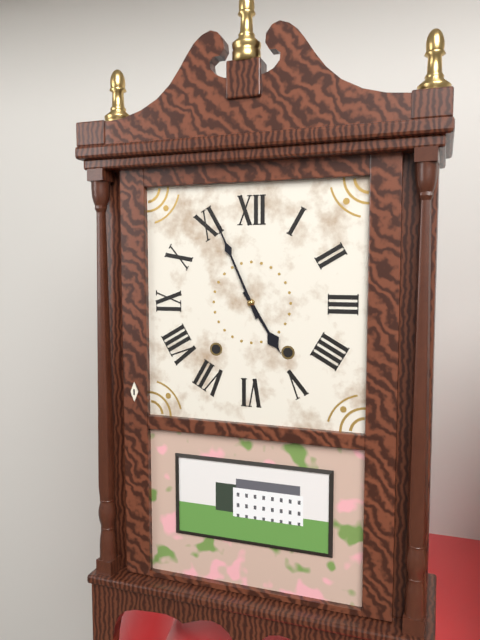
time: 4:56
